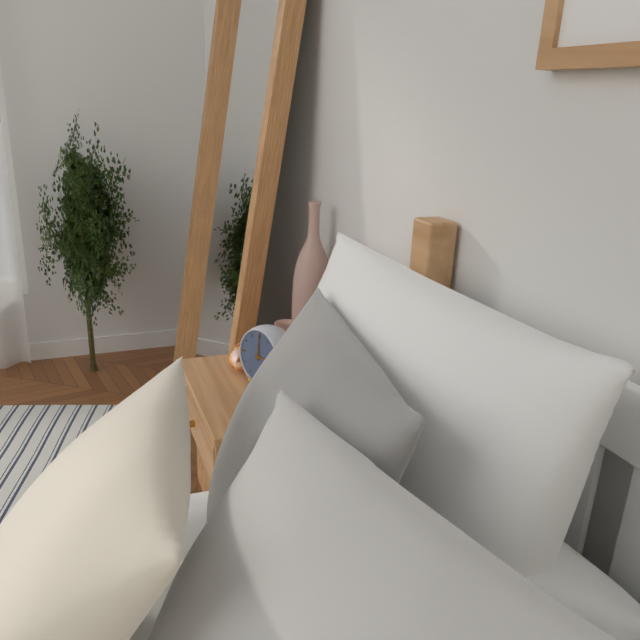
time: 3:00
